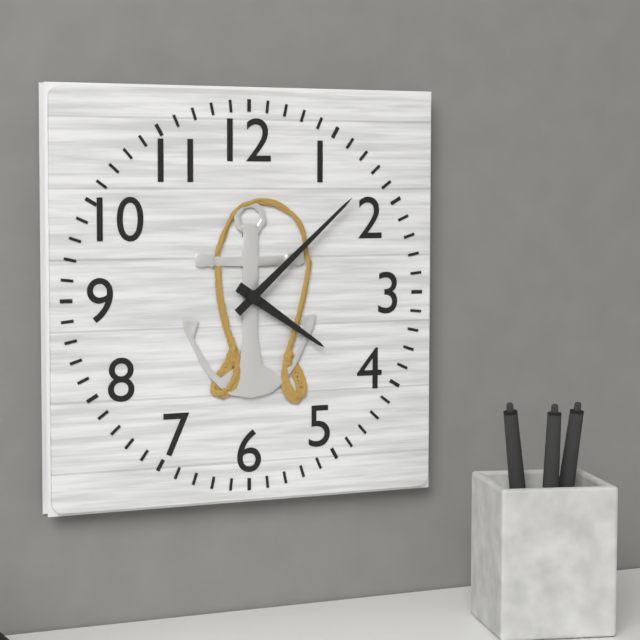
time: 4:08
